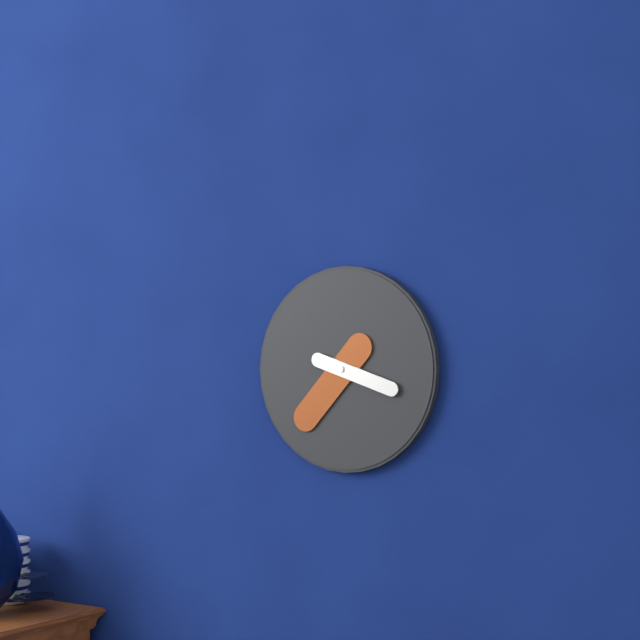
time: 3:37
